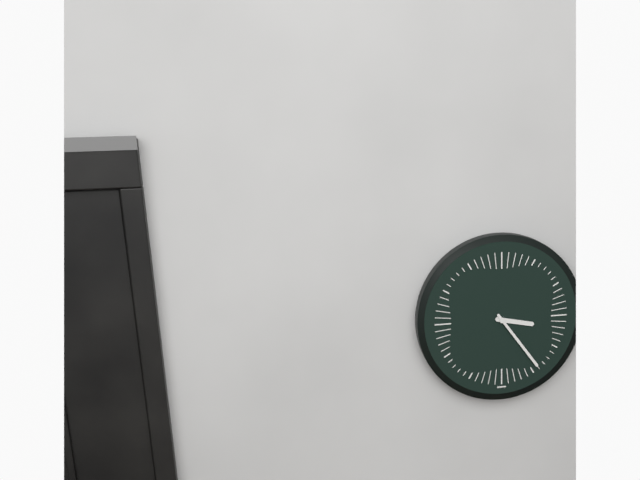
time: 3:24
